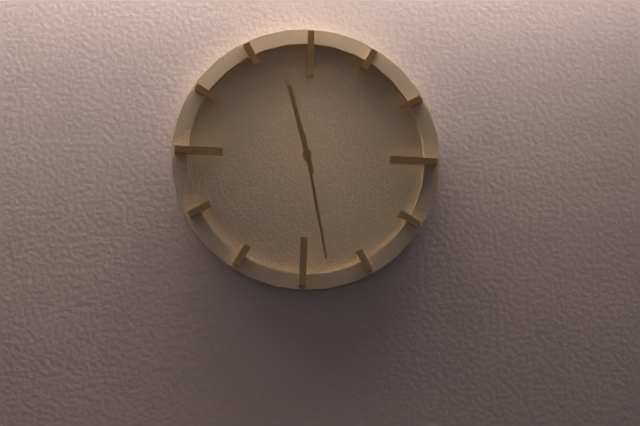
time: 11:28
